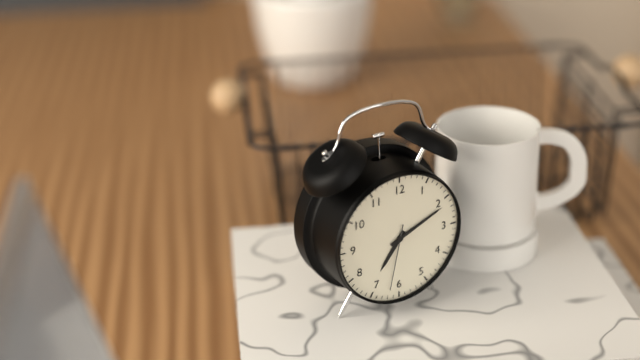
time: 7:11:32
